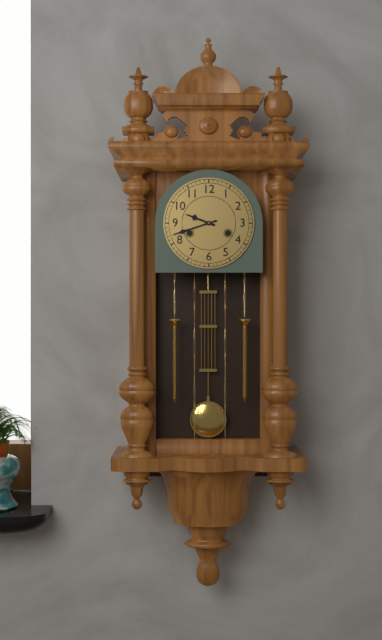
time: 9:42
